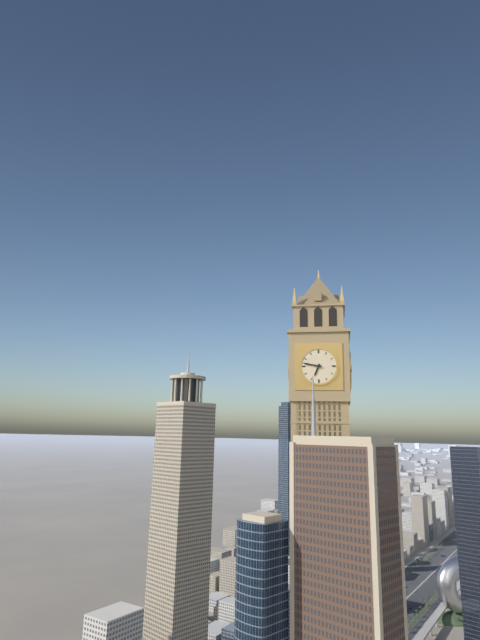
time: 6:47
